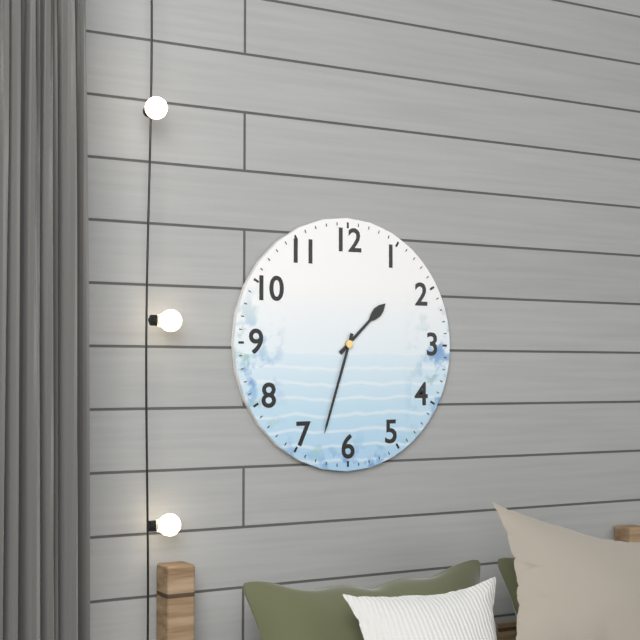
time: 1:33
